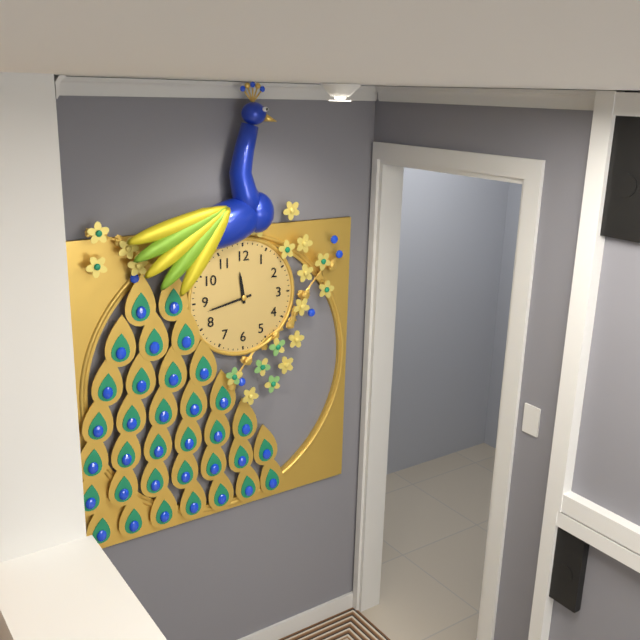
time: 11:43
